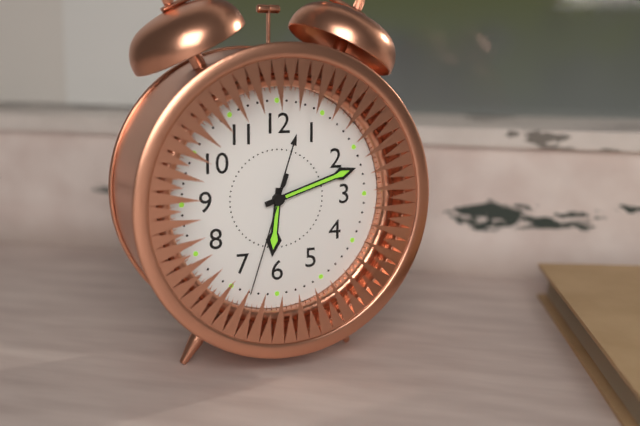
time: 6:12:33
